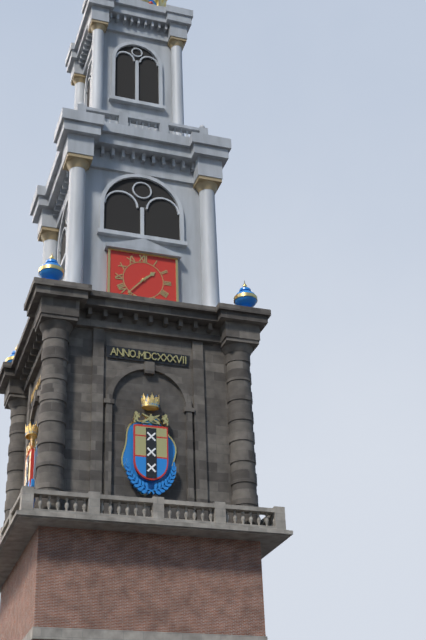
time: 1:37
